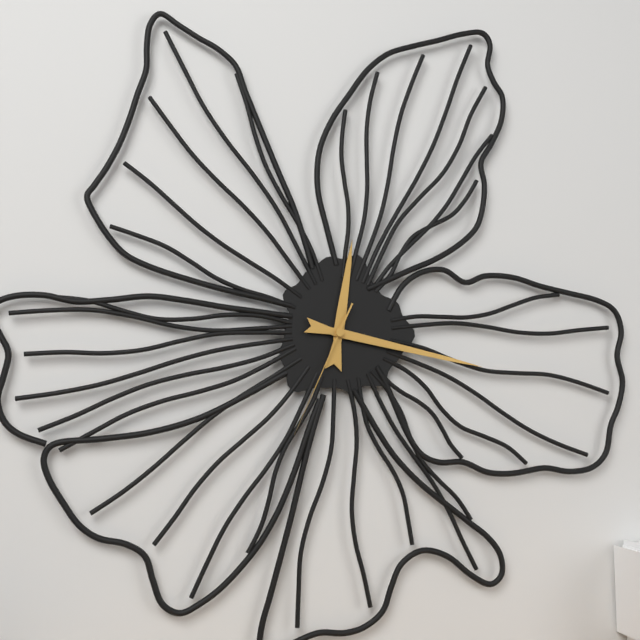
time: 12:17:34
